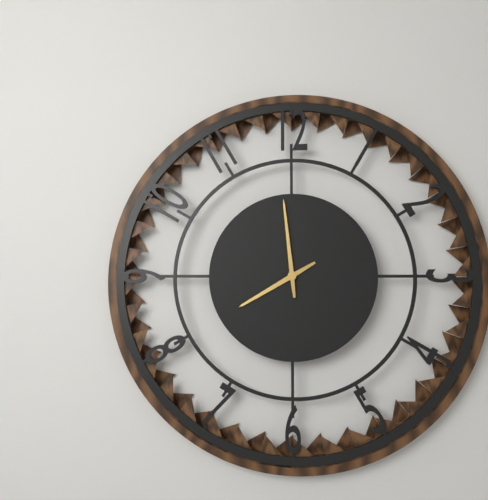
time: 7:59
